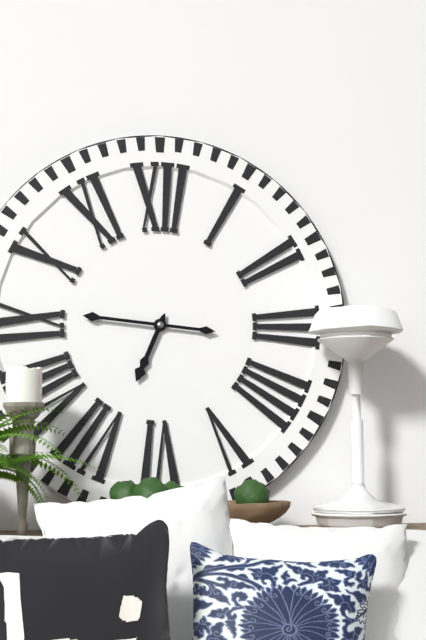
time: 6:46
